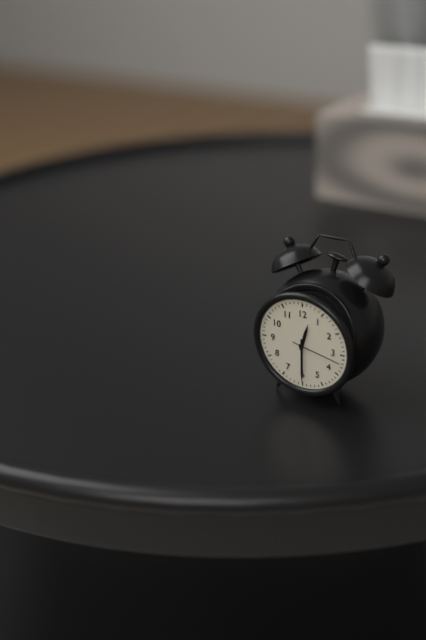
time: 12:30:17
